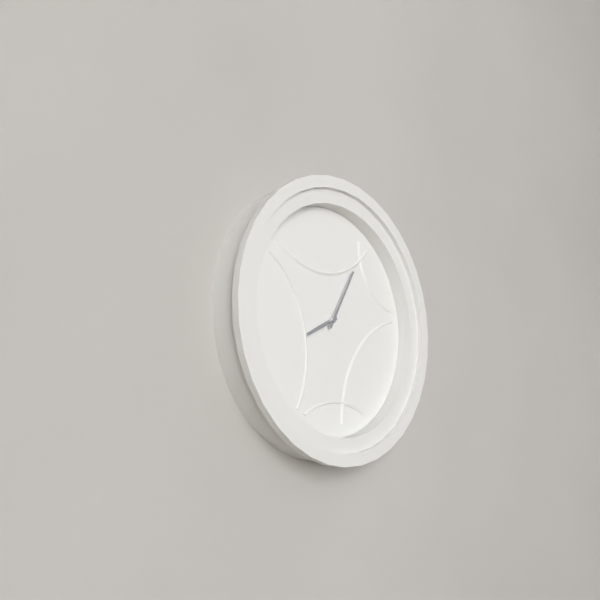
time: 8:05
